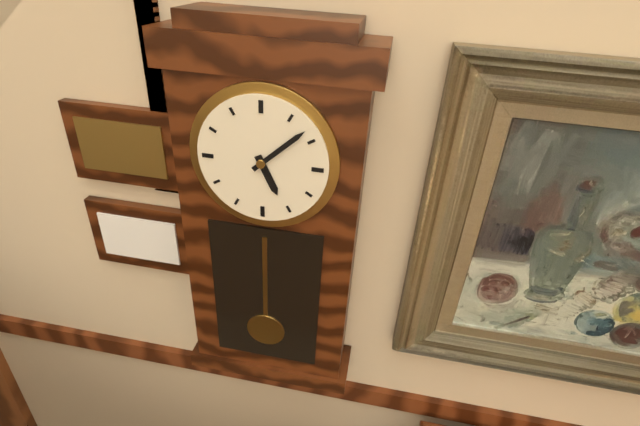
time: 5:08
